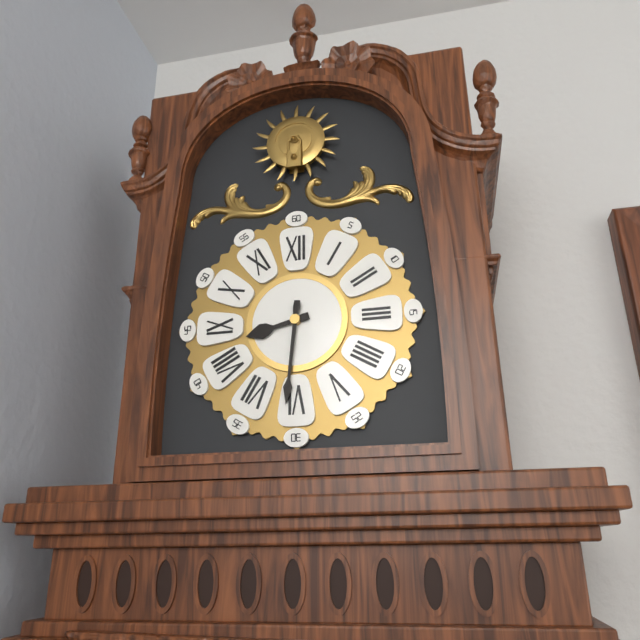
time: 8:31
